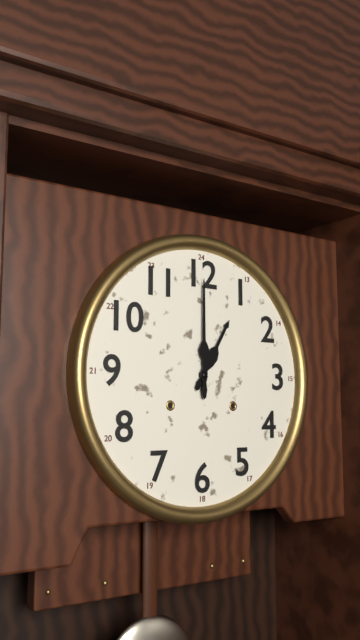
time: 1:00
